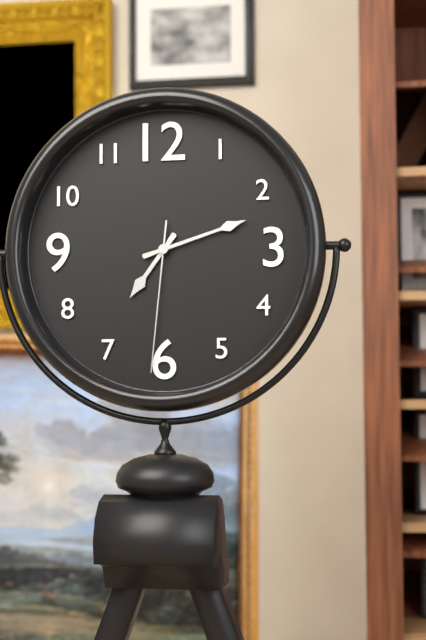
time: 7:12:31
